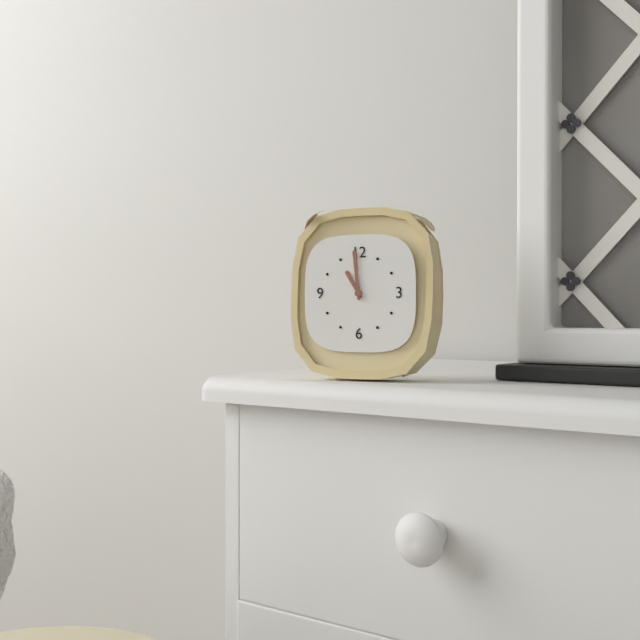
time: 10:59
